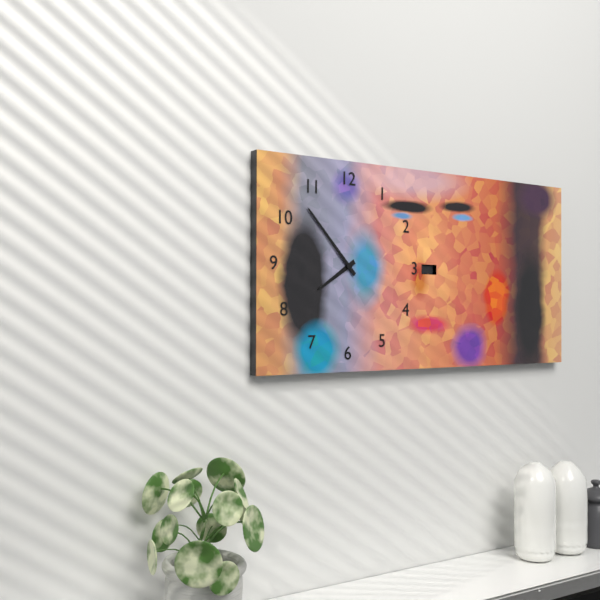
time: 7:53
